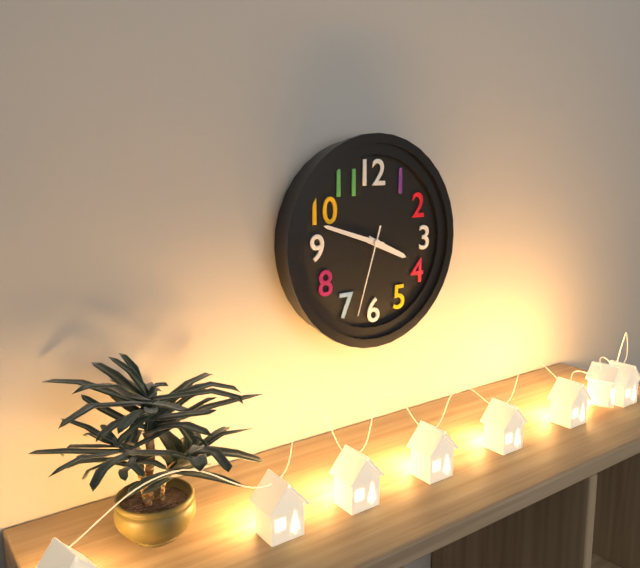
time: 3:48:33
